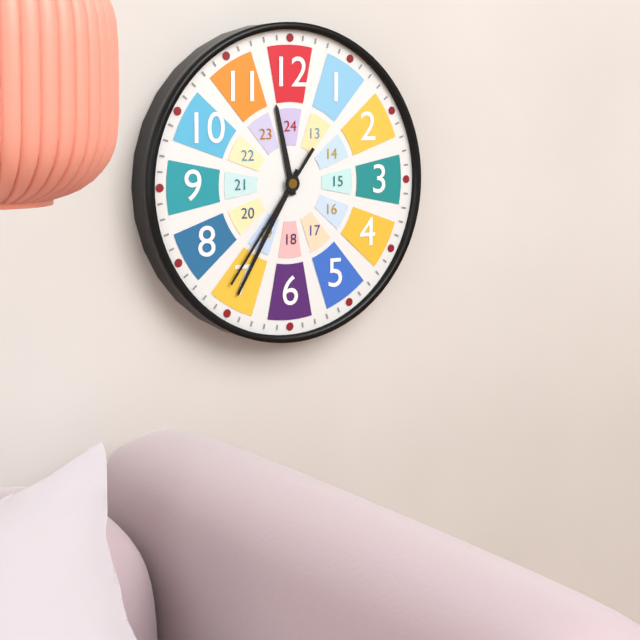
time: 11:35:36
